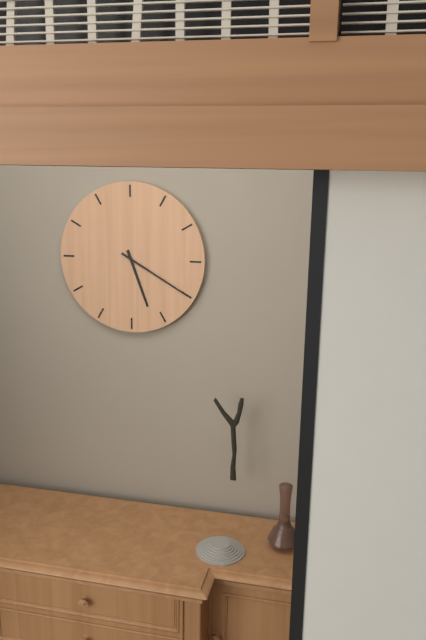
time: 5:20
